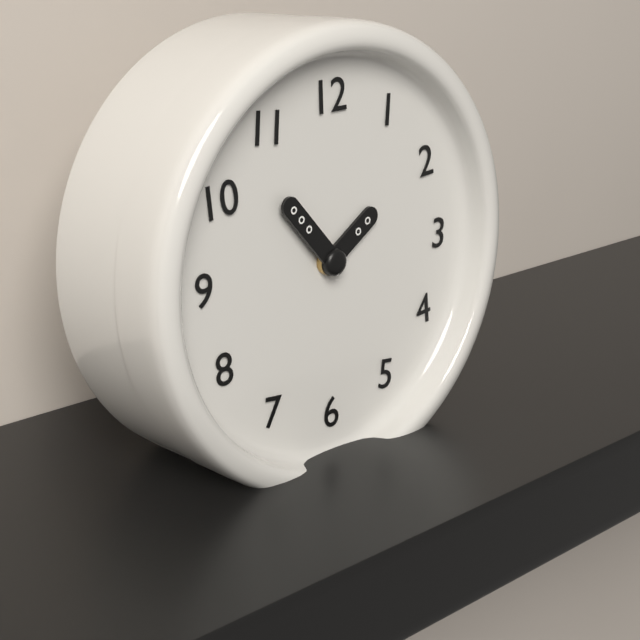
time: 1:53
